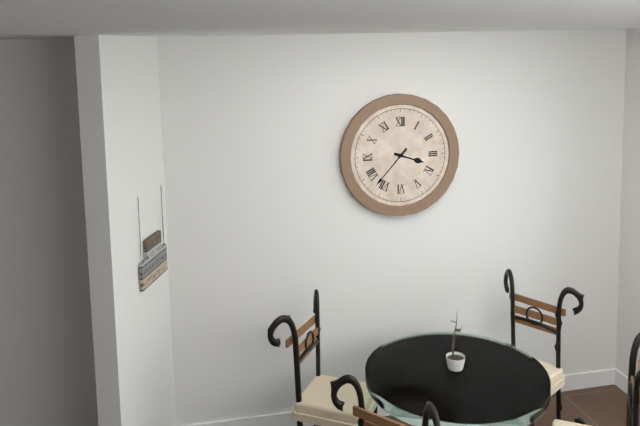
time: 3:37
